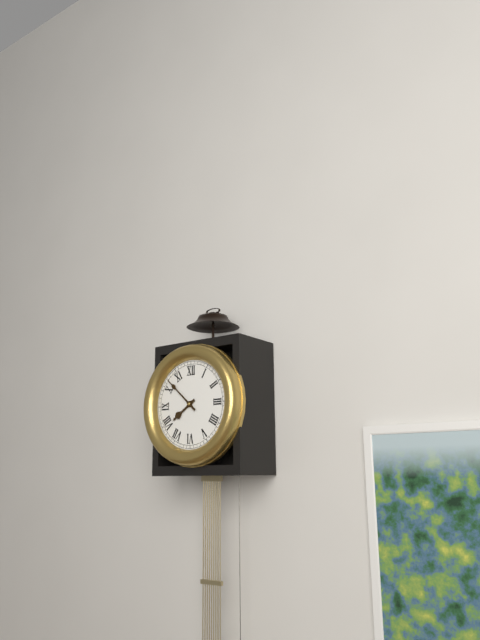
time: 7:52
